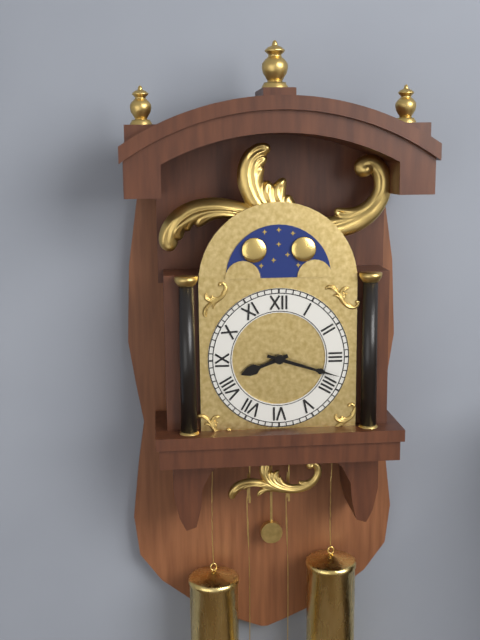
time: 8:18
